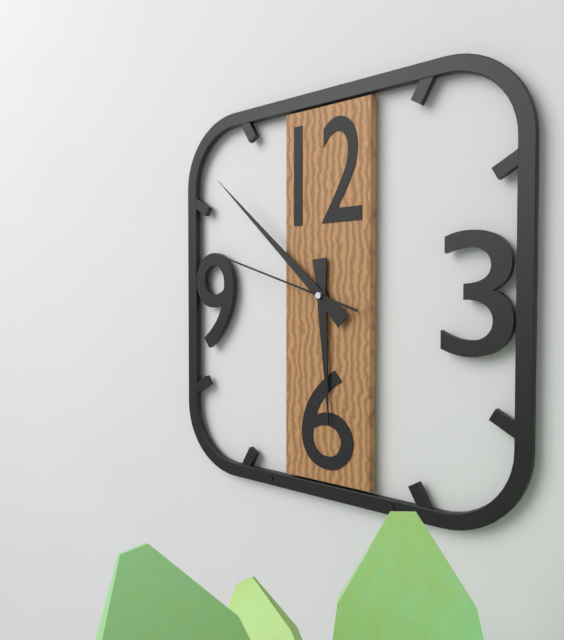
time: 5:52:48
